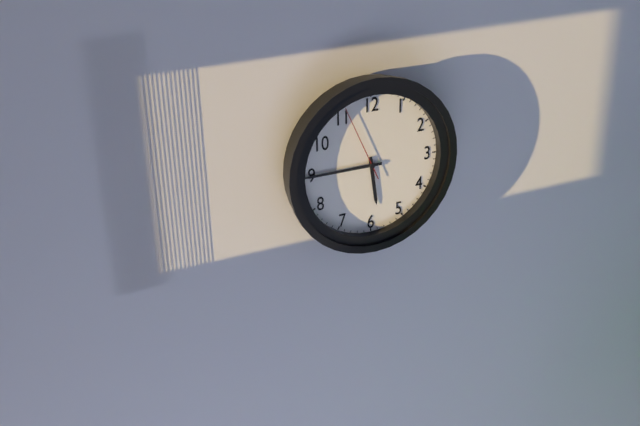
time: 5:45:56
